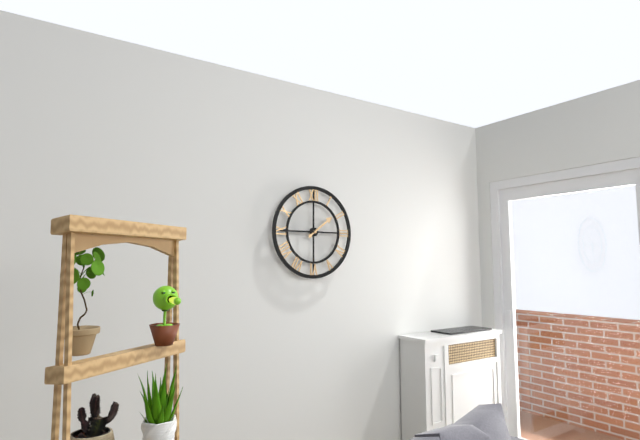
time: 1:45
